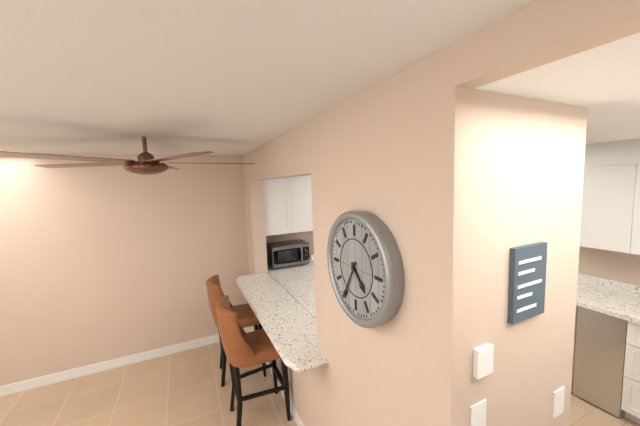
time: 4:35
